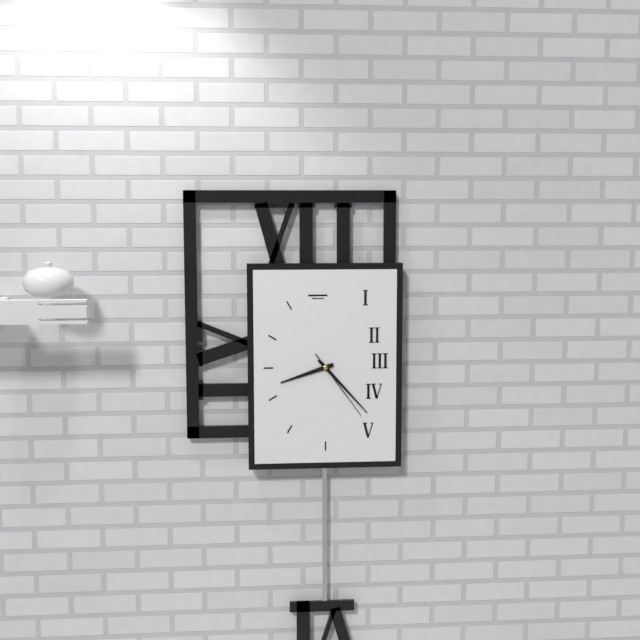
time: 8:23:24
